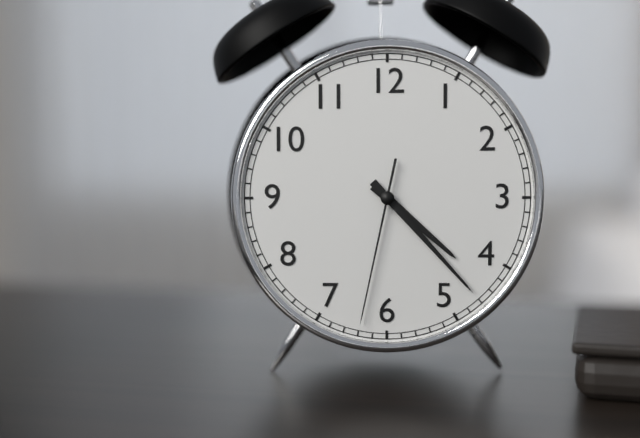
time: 4:23:32
